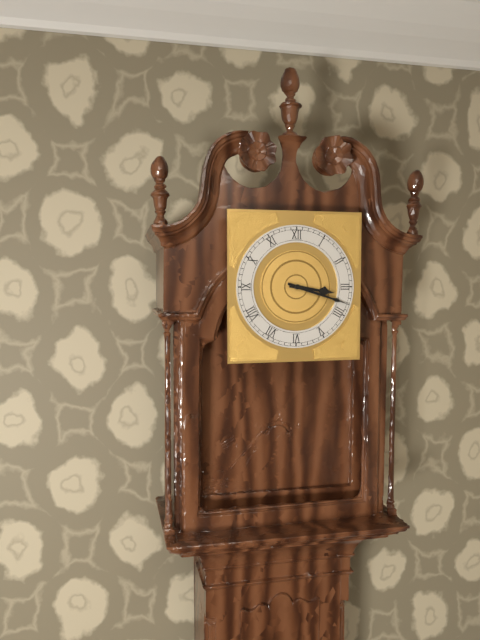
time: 3:18
